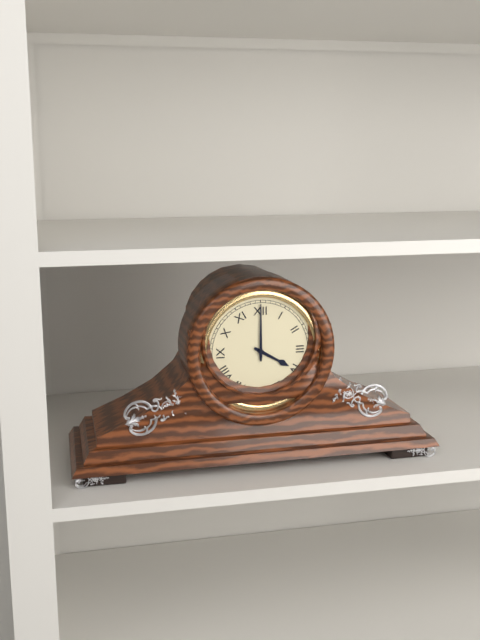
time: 4:00
